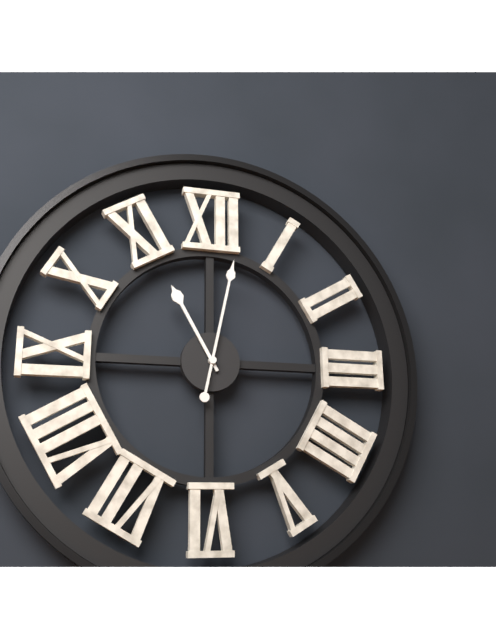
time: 11:02
